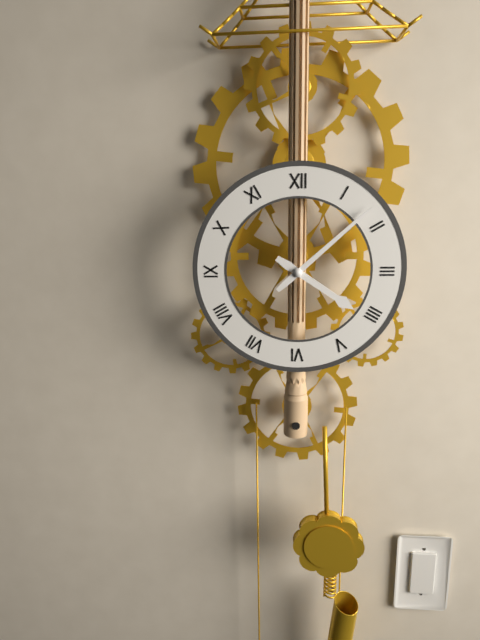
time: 4:08
